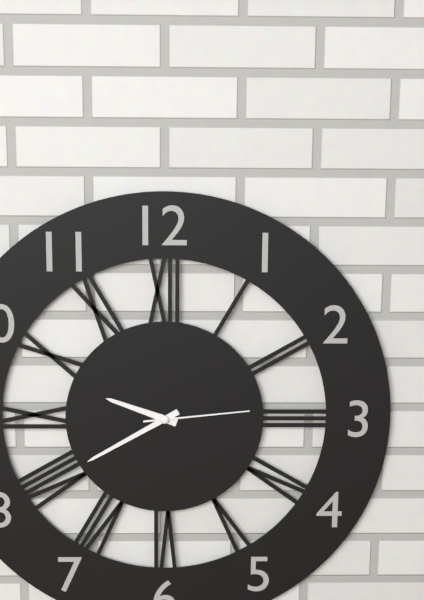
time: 9:40:14
